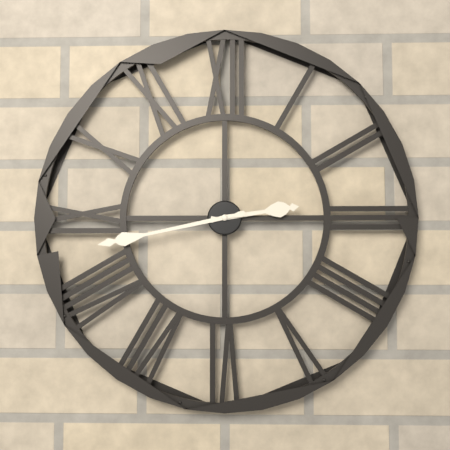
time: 2:43
